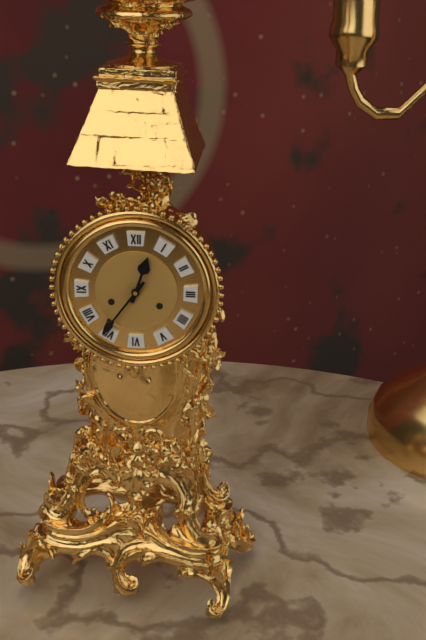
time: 12:36
